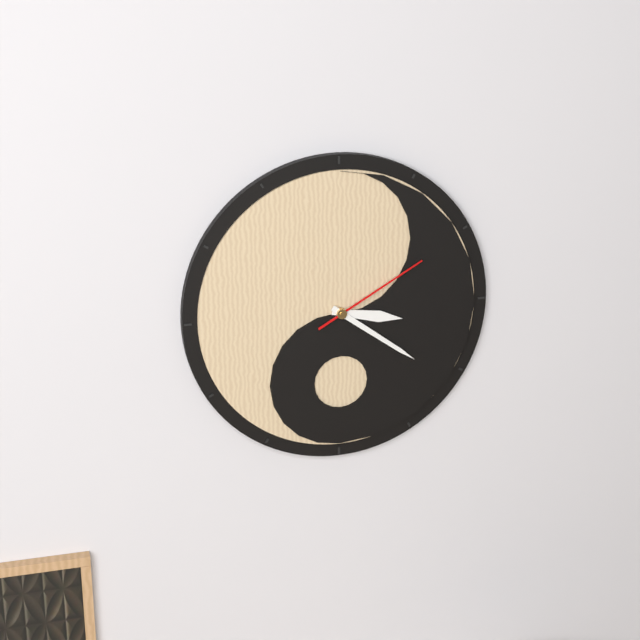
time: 3:21:10
